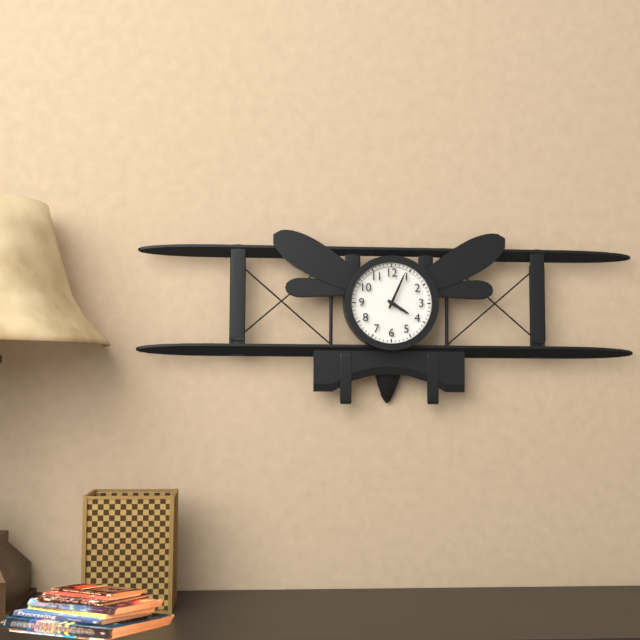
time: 4:04
